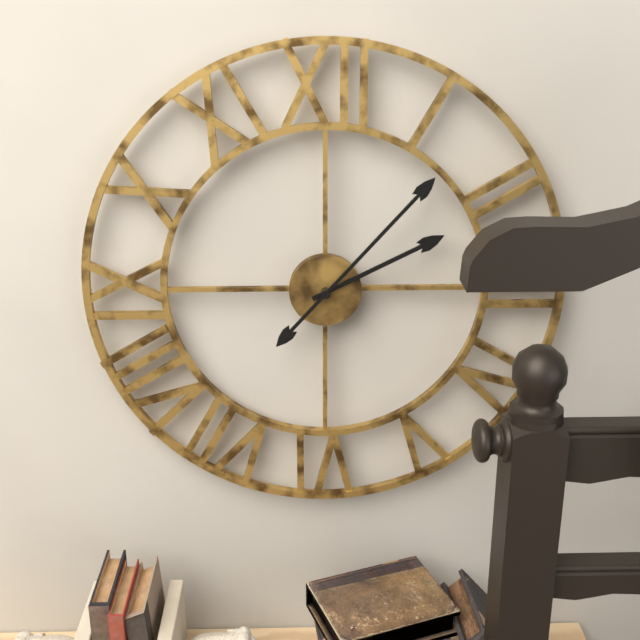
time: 2:07
